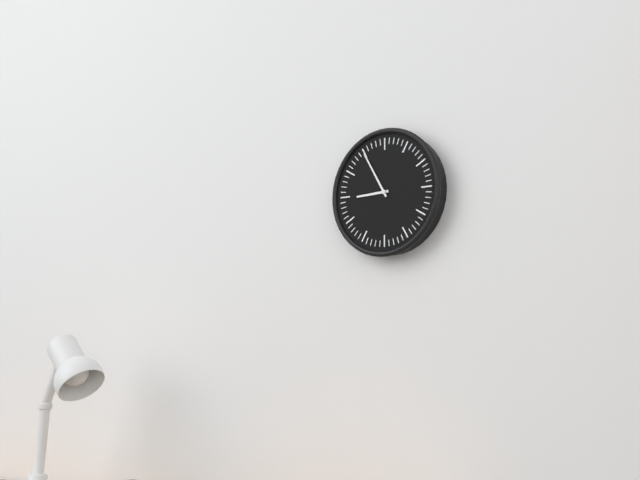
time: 8:55
